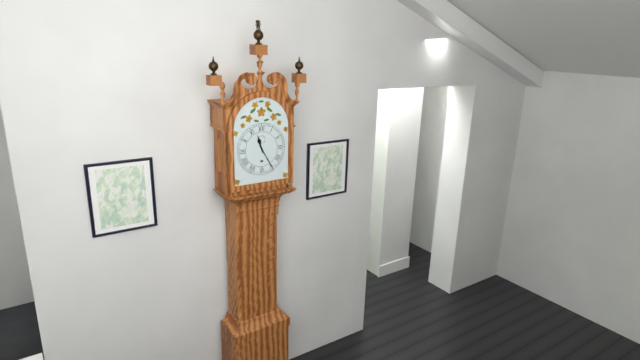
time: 11:25
